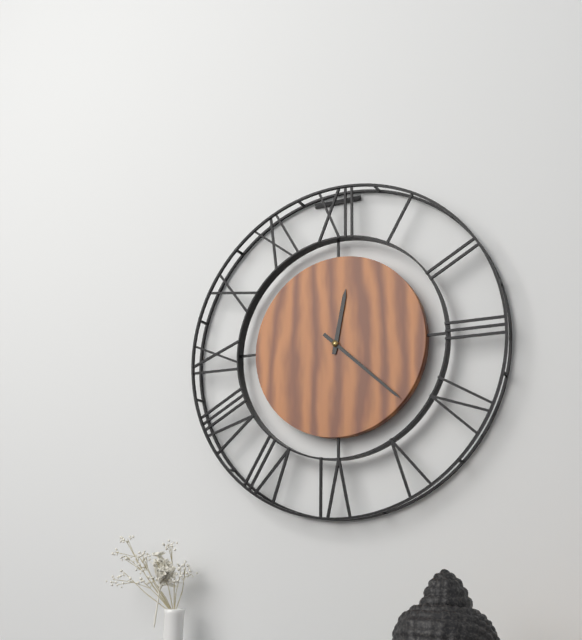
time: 12:22
